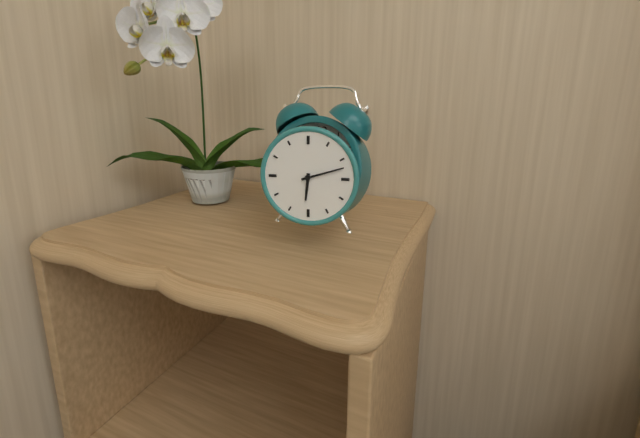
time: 6:12
